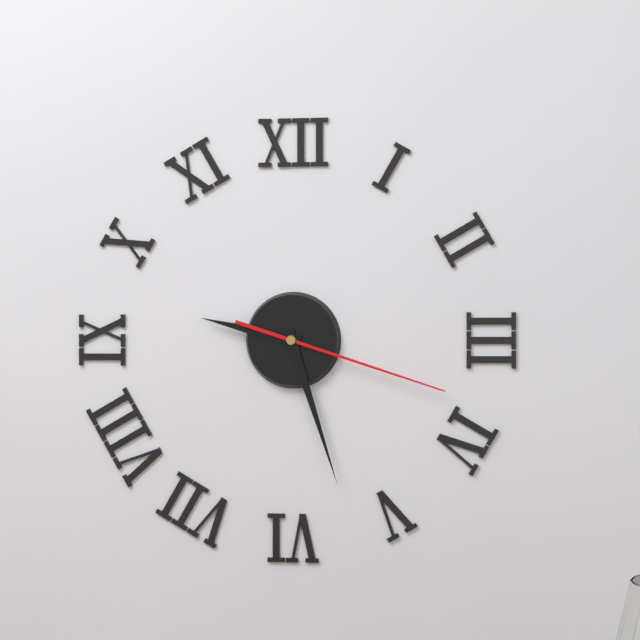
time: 9:27:18
